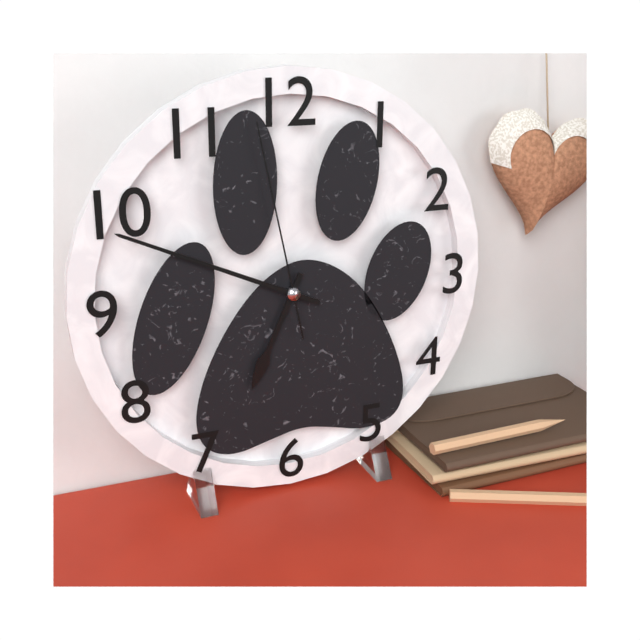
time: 6:49:58
